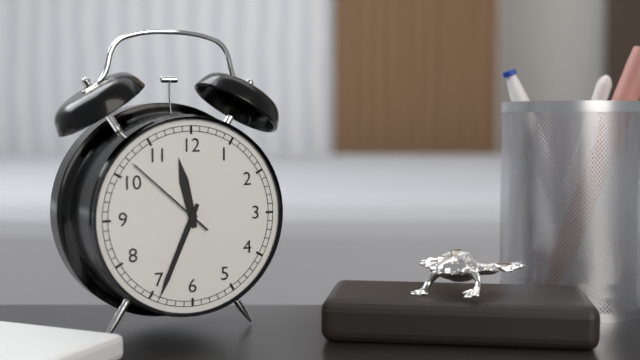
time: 11:34:52
